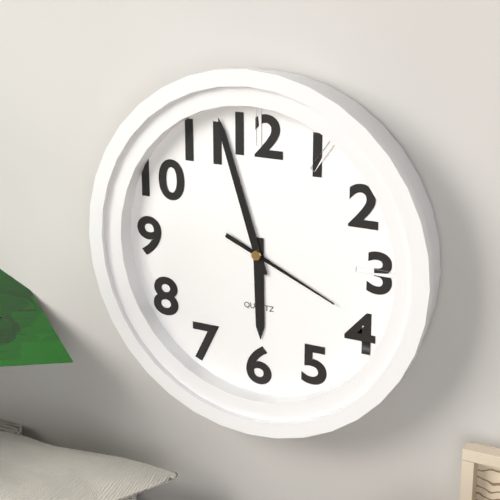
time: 5:57:19
